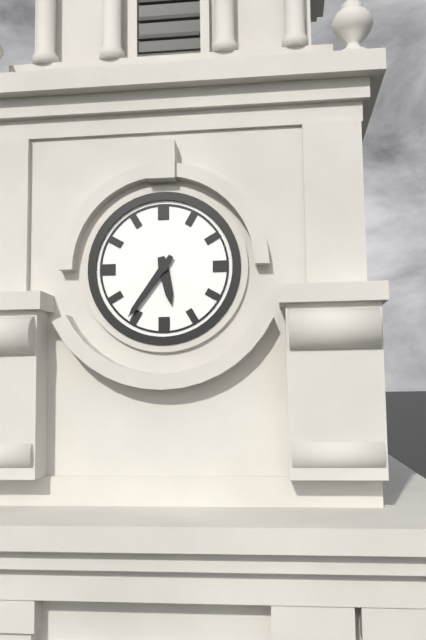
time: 5:36
